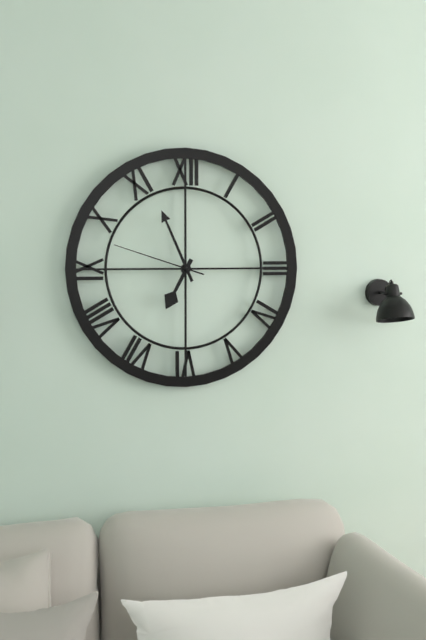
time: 6:56:48
